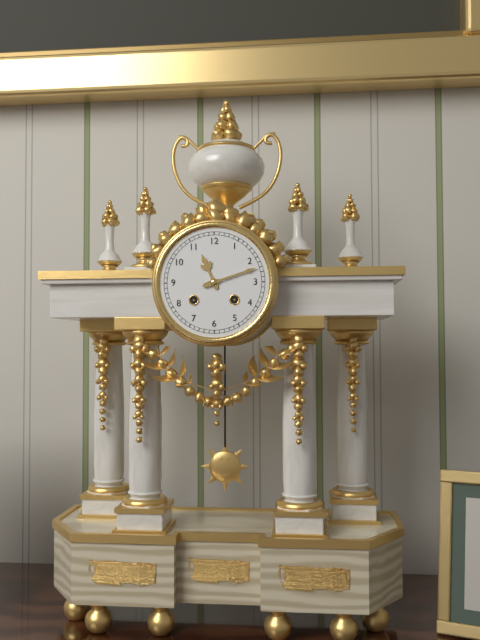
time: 11:12
